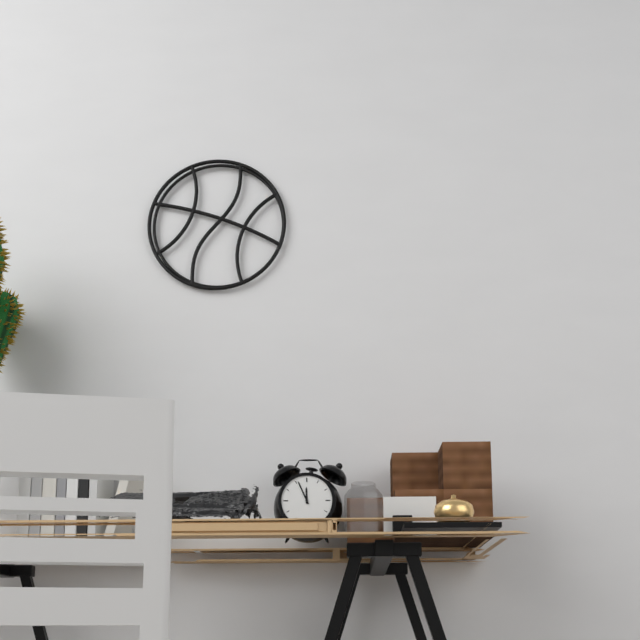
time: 11:56
